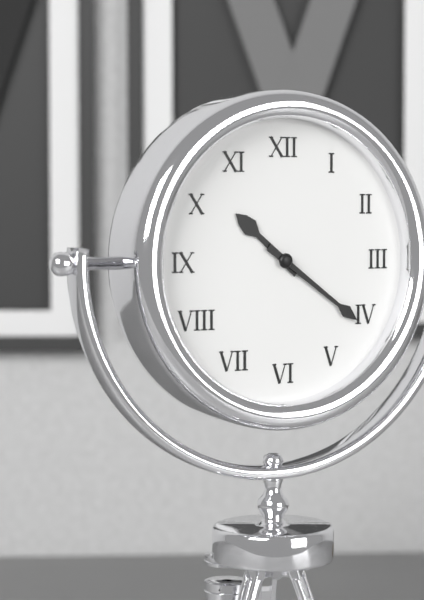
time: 10:21
